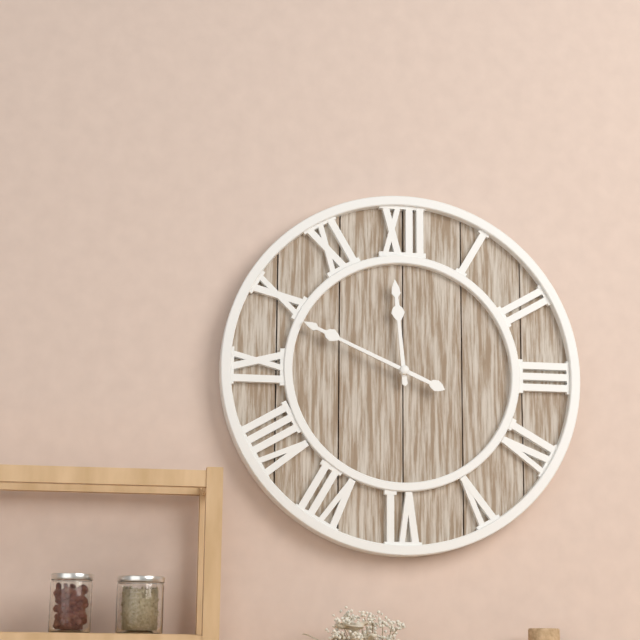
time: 11:49
